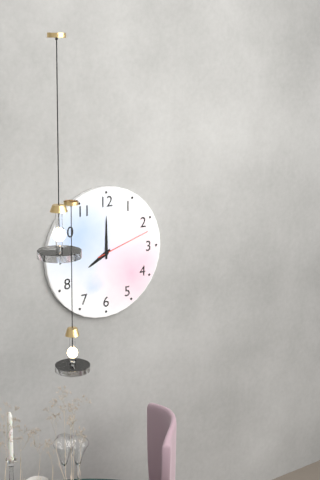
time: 8:00:12
